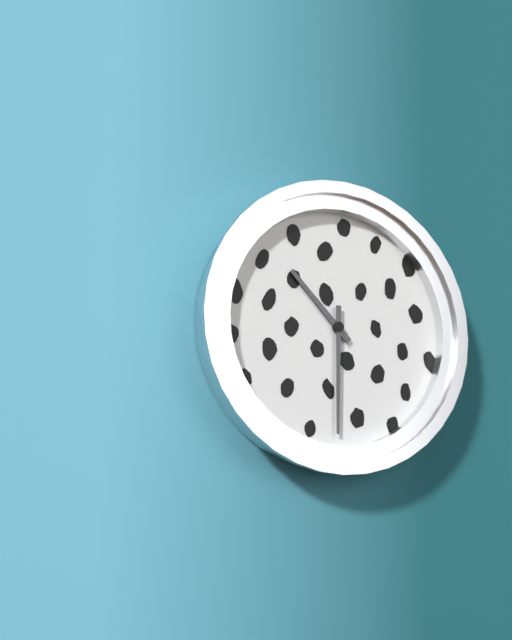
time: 10:30
